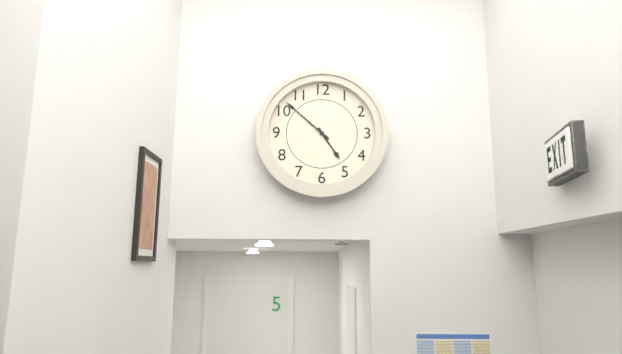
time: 4:52
